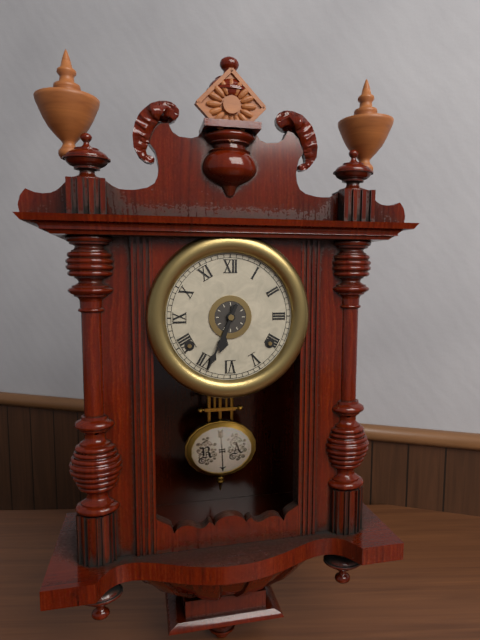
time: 6:34
